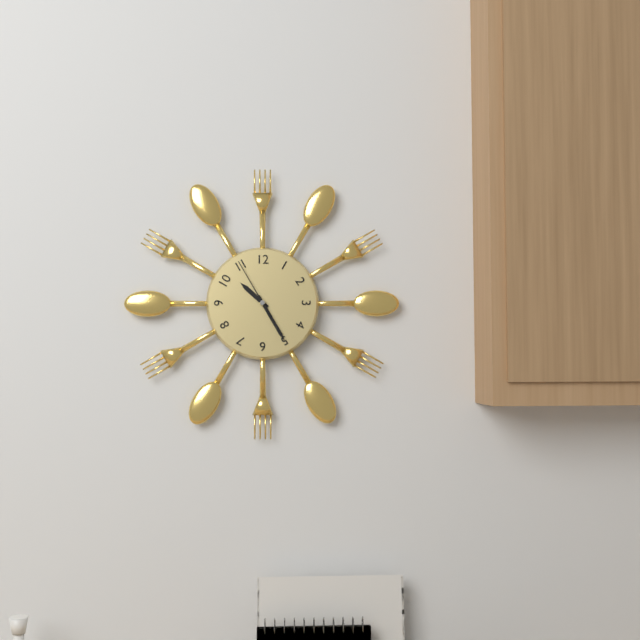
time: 10:25:55
